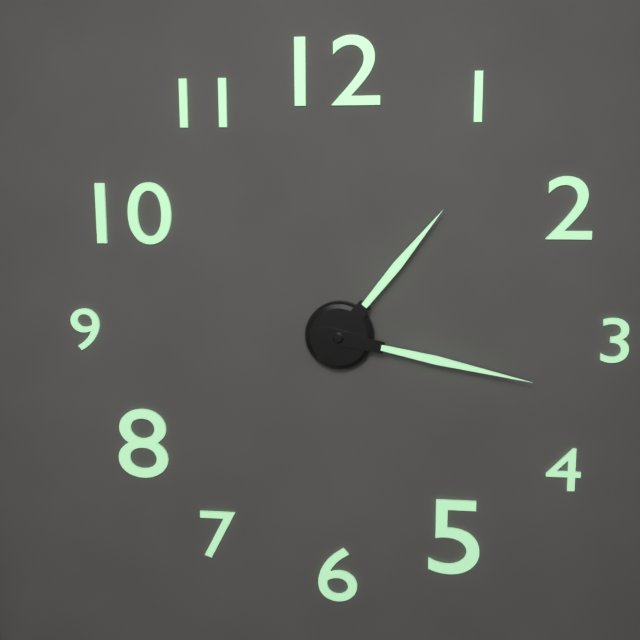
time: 1:17
